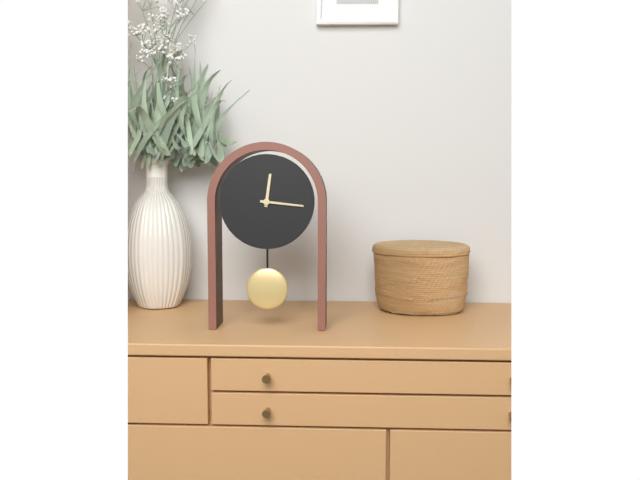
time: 12:16
